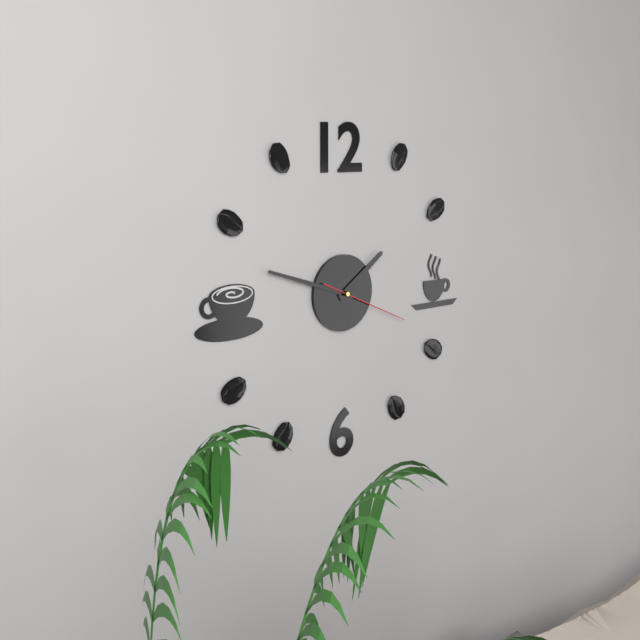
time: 1:48:19
